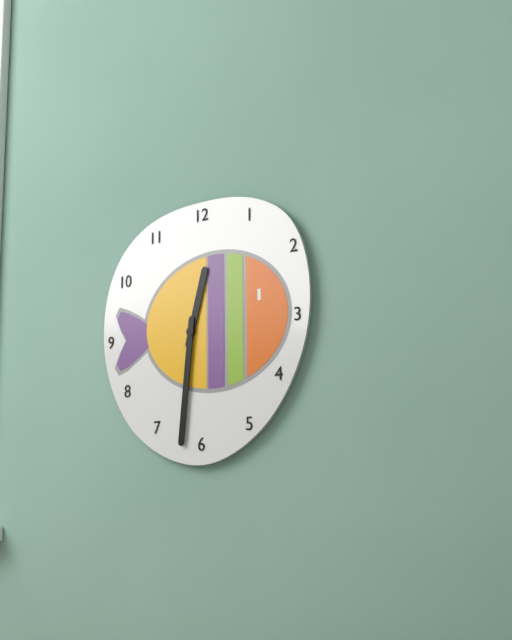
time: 12:31
